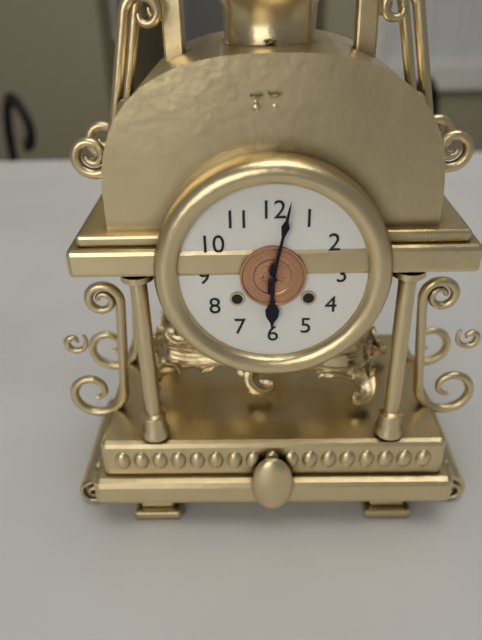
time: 6:02
